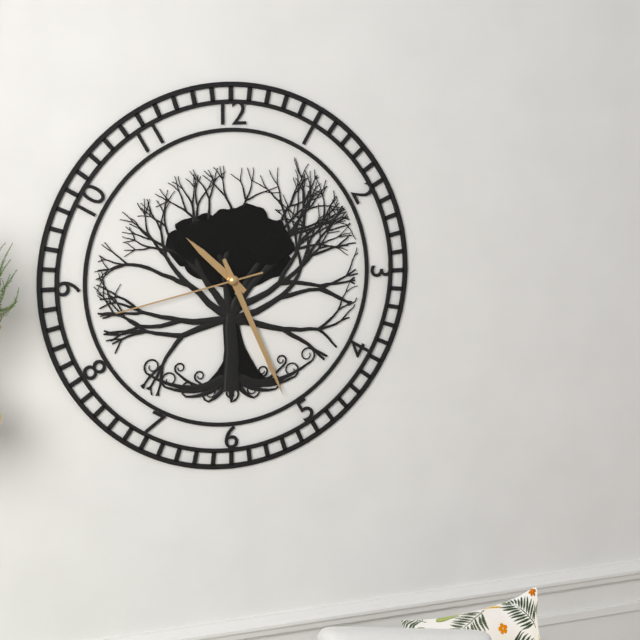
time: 10:26:43
